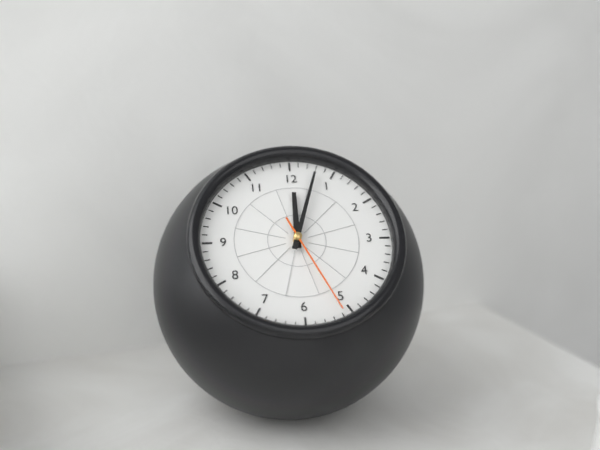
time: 12:03:26
